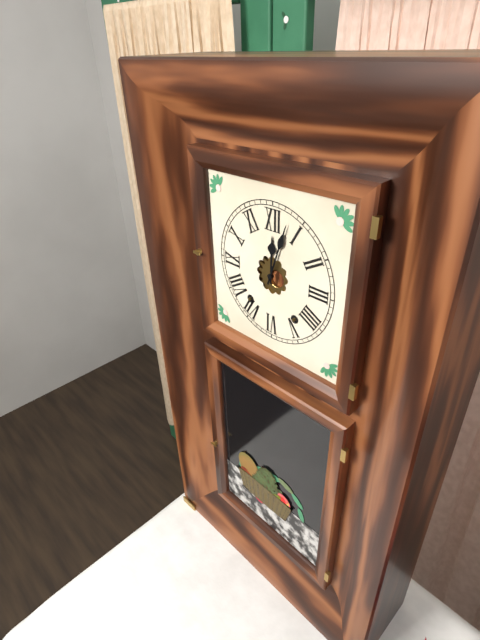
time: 12:03
